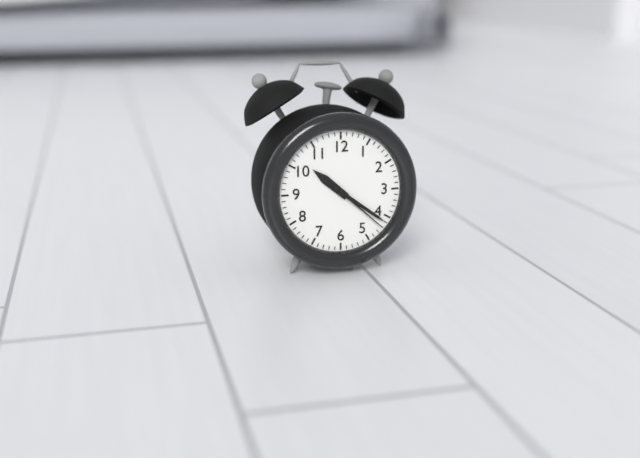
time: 10:21:22
